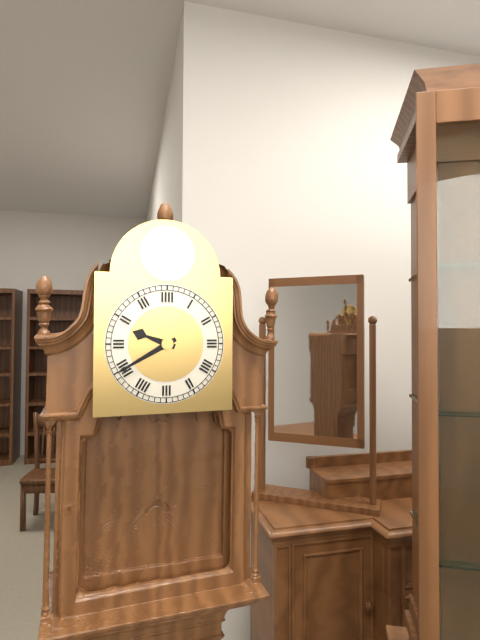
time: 9:40
